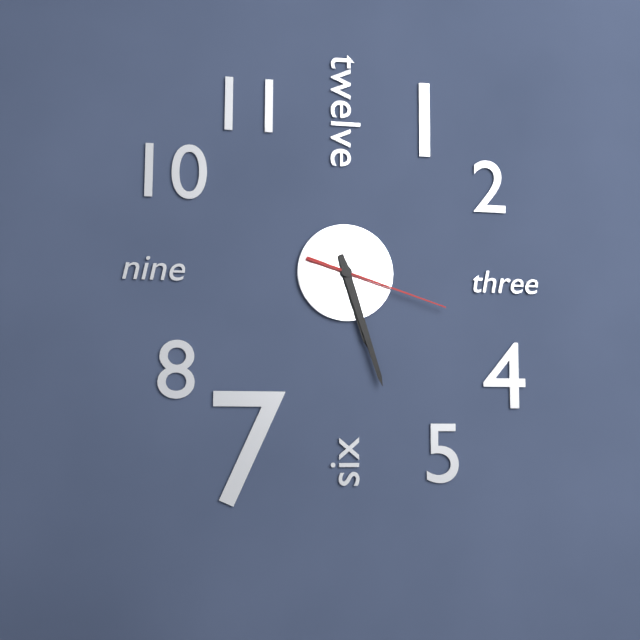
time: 5:27:18
